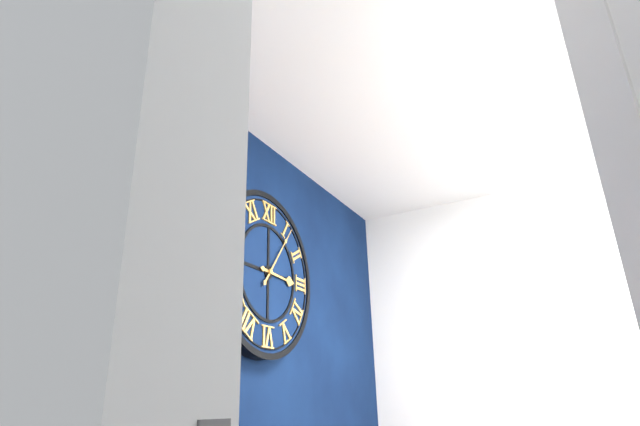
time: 3:06
